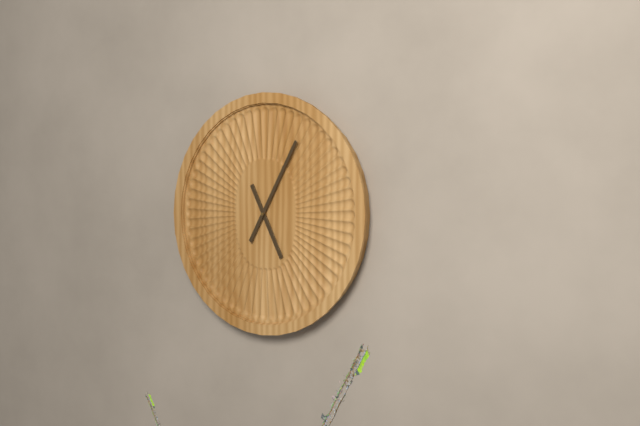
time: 5:05
